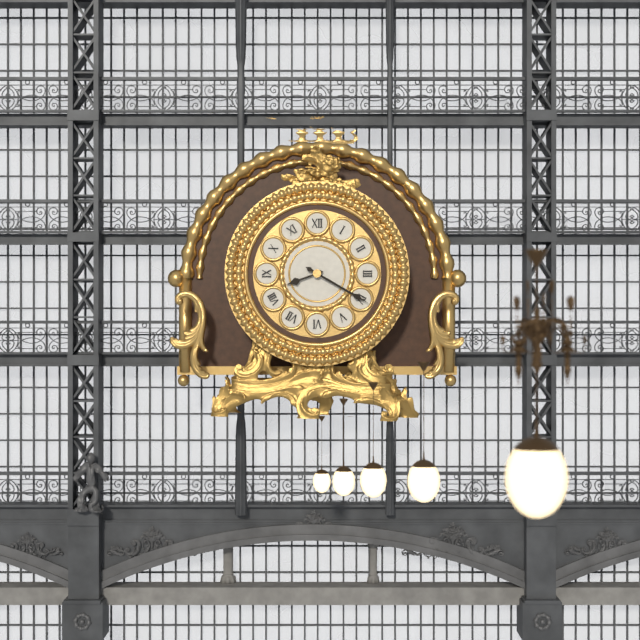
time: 8:20
